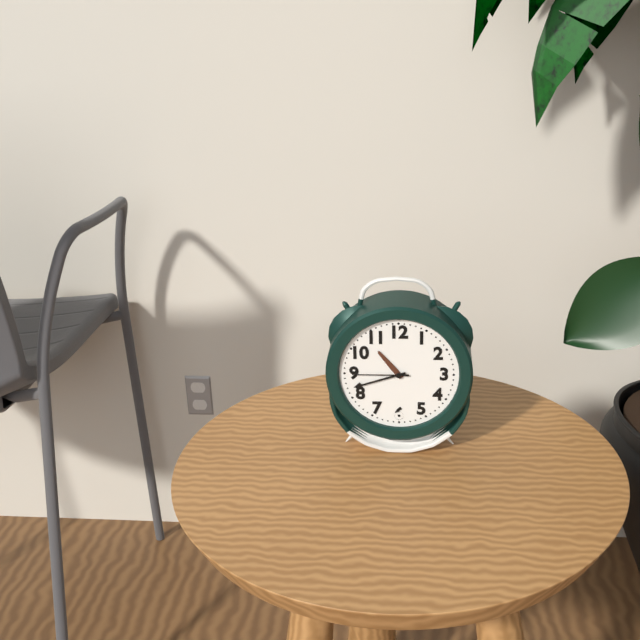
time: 10:42:45
